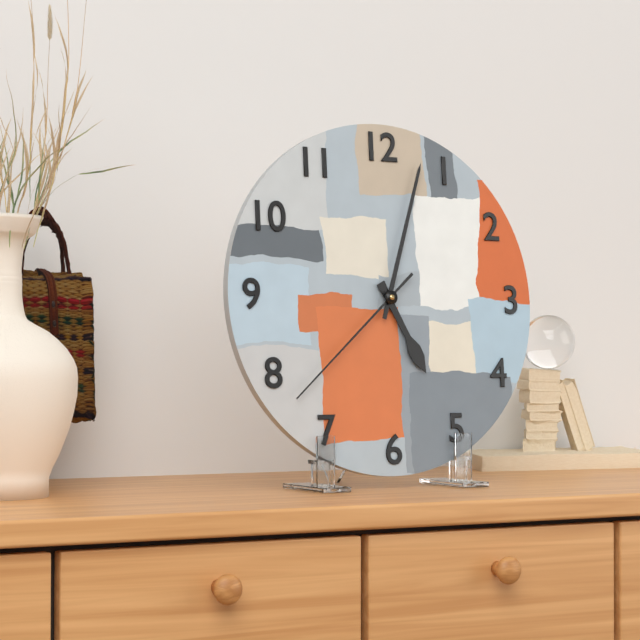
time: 5:03:38
